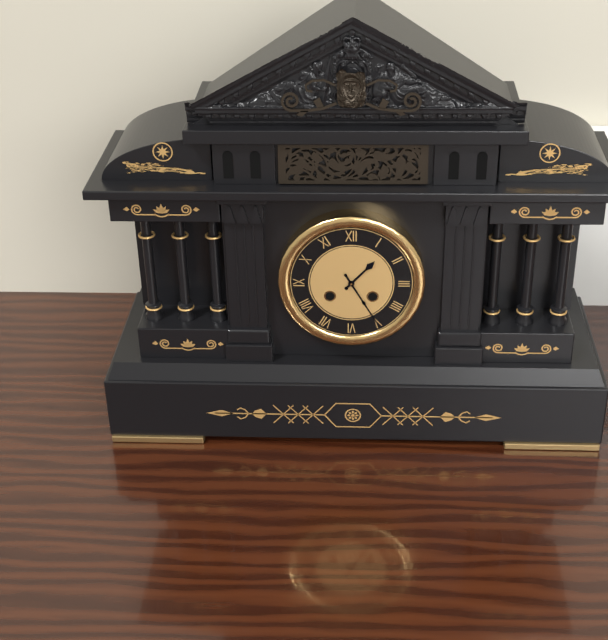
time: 1:25
